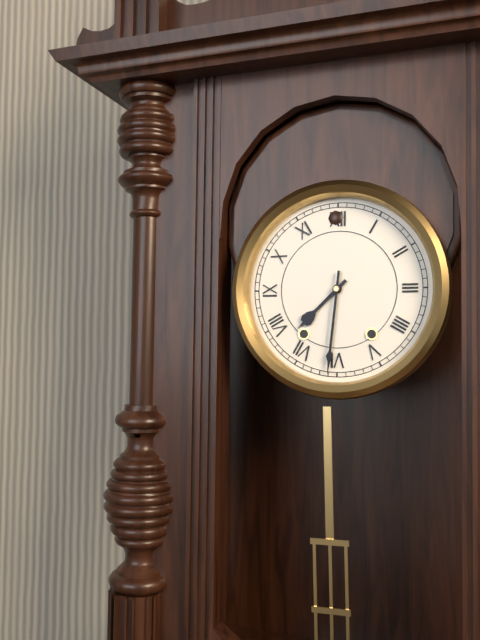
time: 7:31
